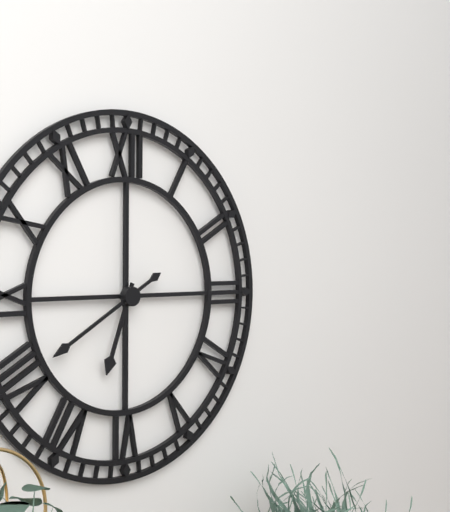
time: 6:40
